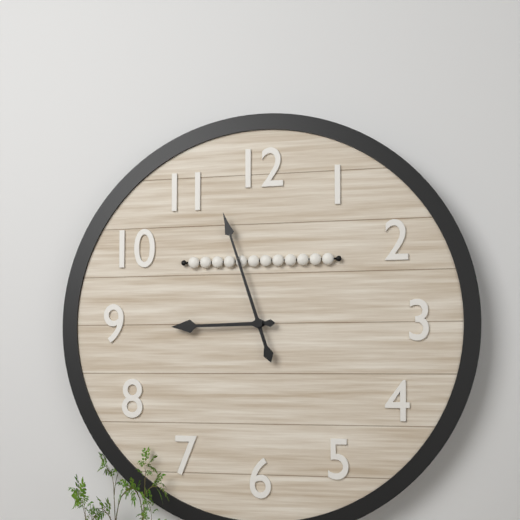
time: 8:57
